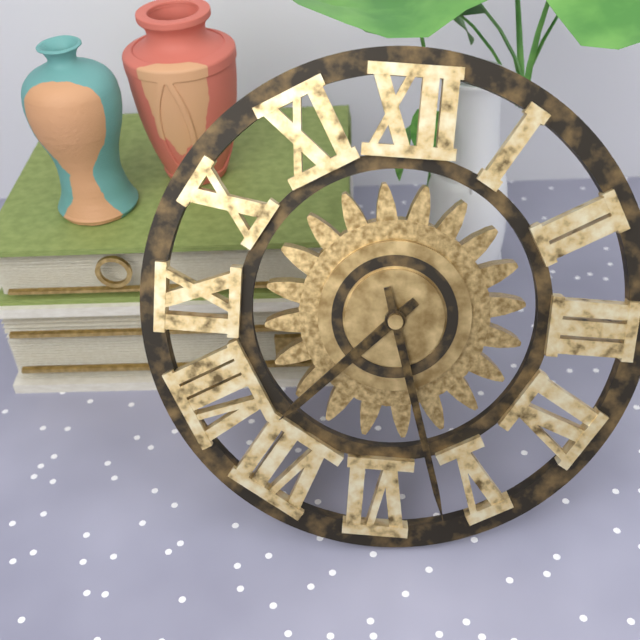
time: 7:27
